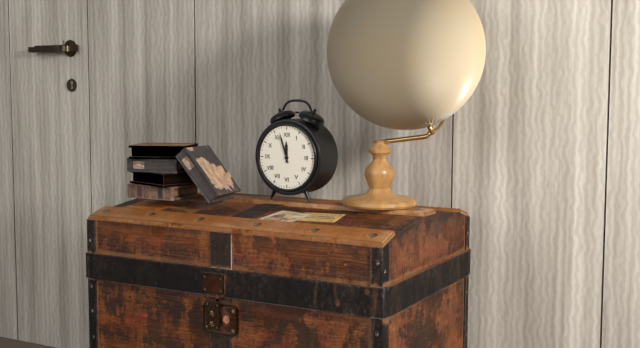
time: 11:57
